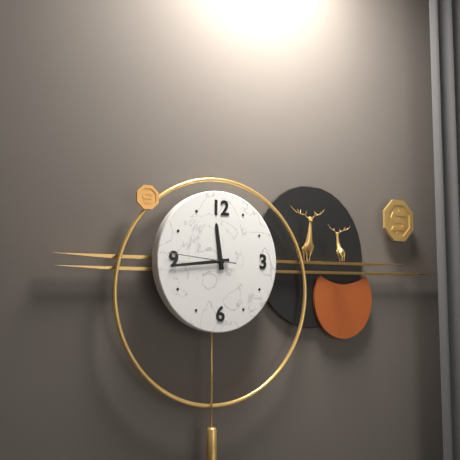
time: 11:44:46
